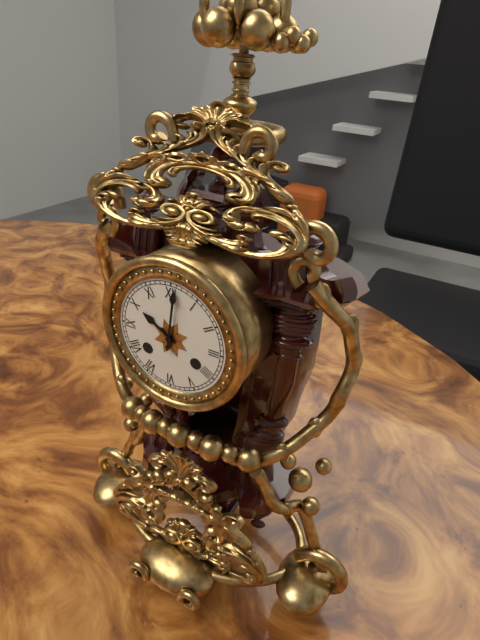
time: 10:01
